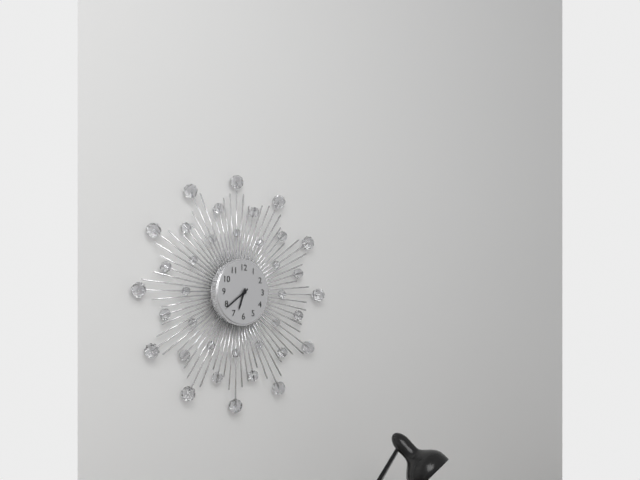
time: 6:39
